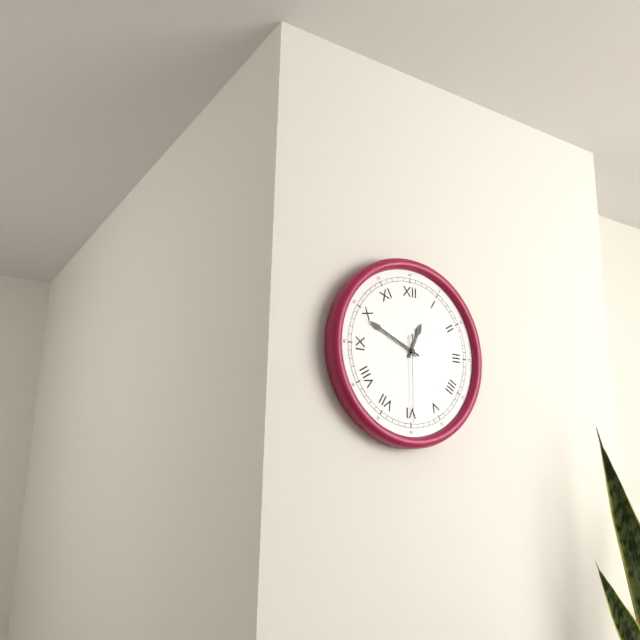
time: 12:49:30
